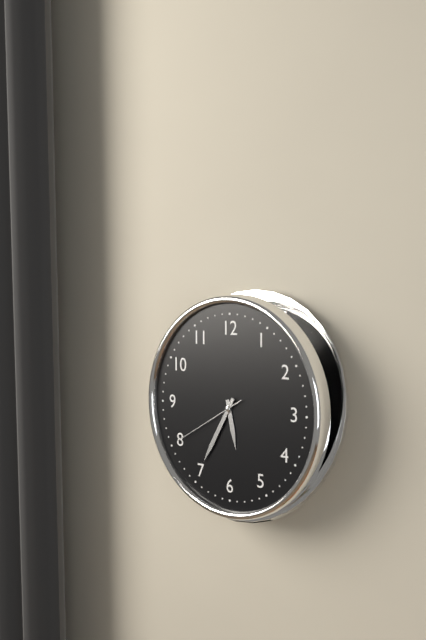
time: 5:35:40
